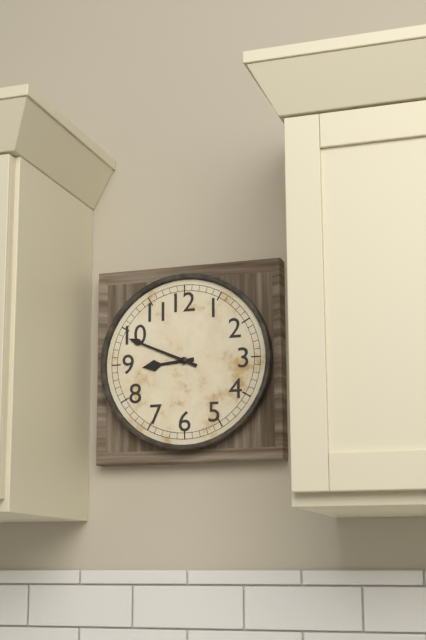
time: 8:49
